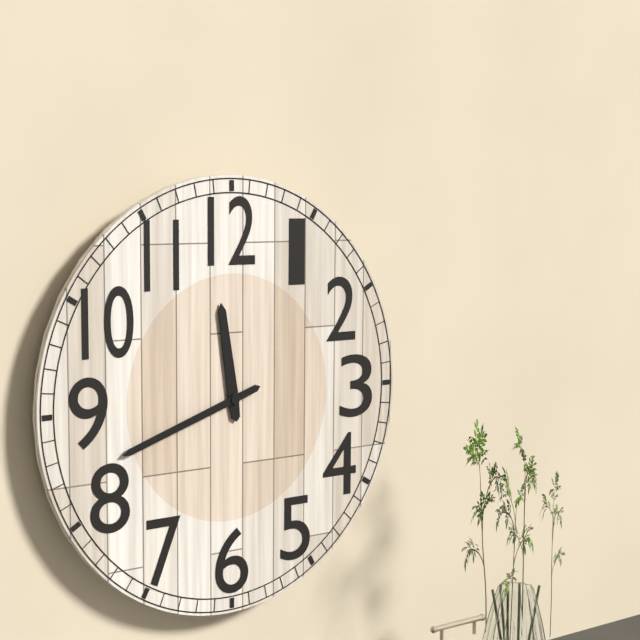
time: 11:42
